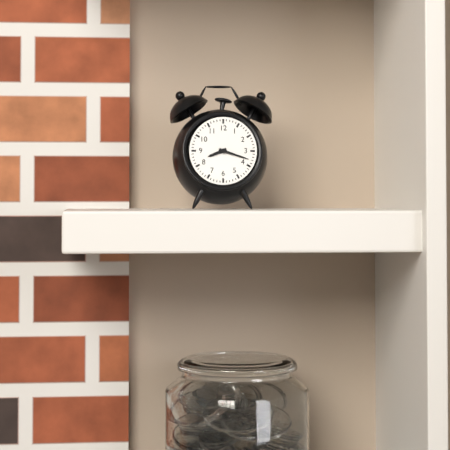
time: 8:18
